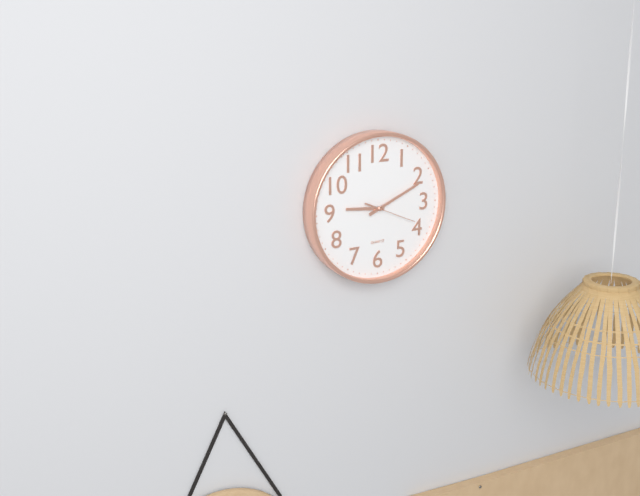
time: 9:11:19
